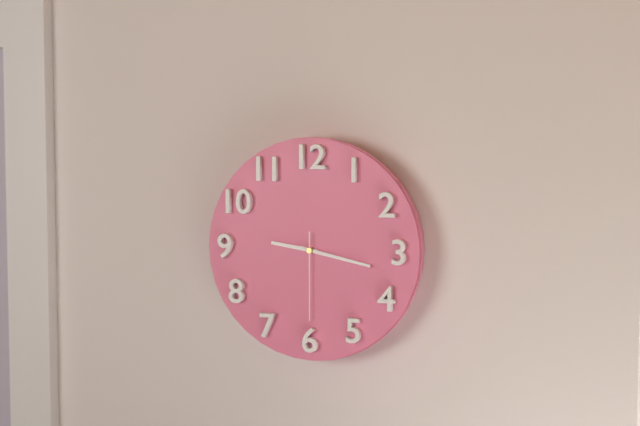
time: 9:17:30
